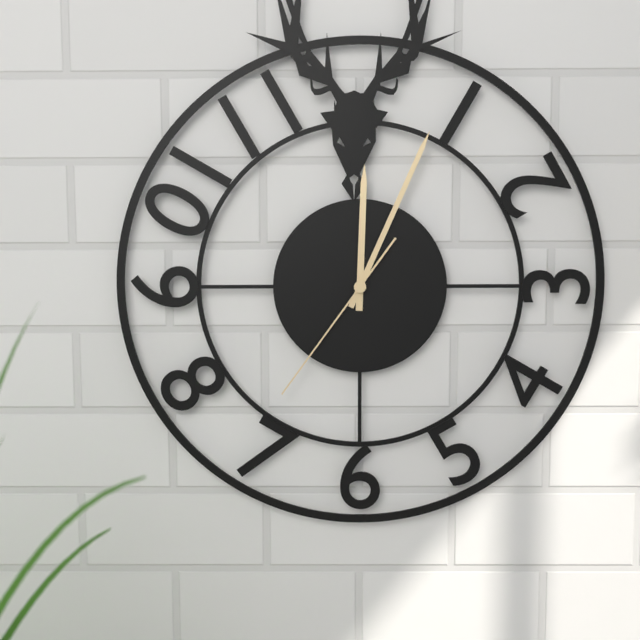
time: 12:04:36
